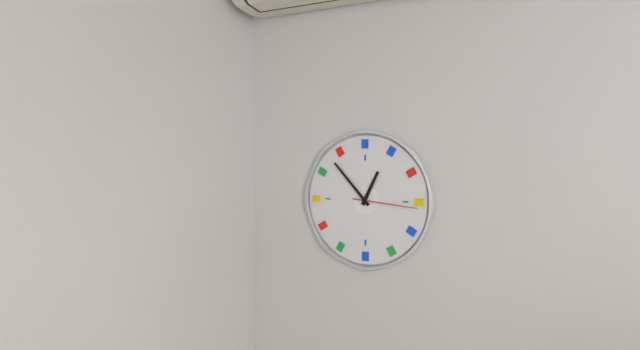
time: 12:53:16
